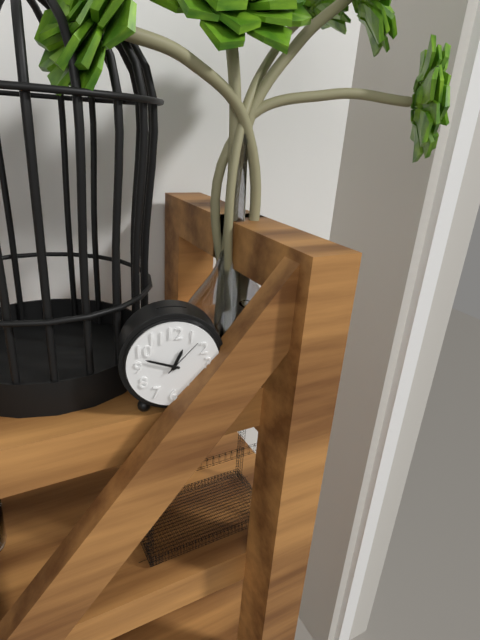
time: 12:48
